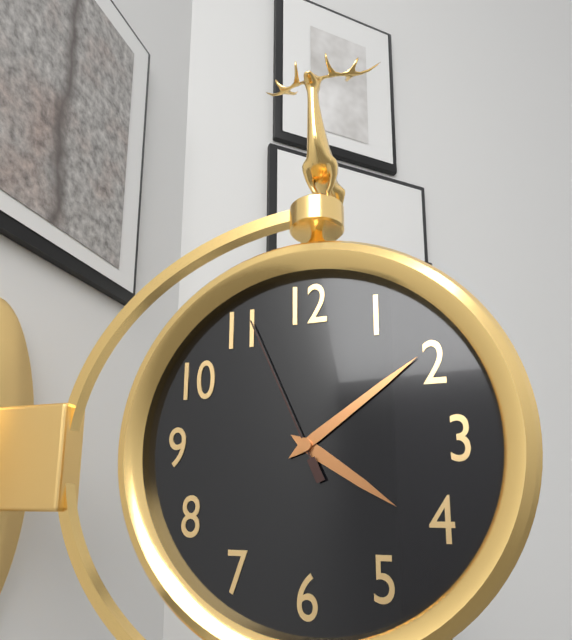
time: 4:09:56
